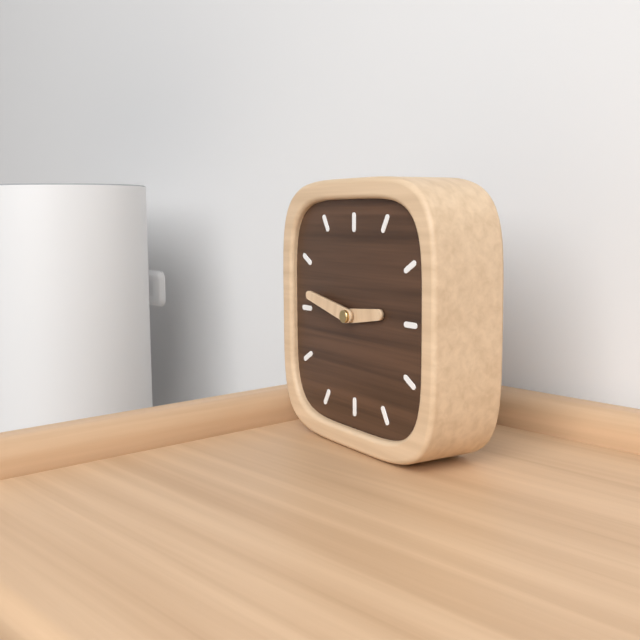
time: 2:47
